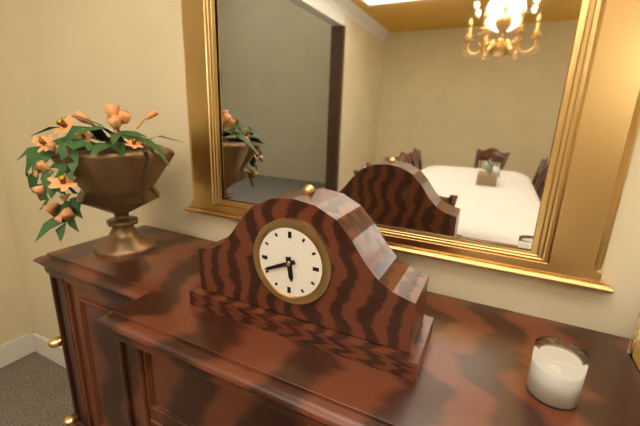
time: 5:41
